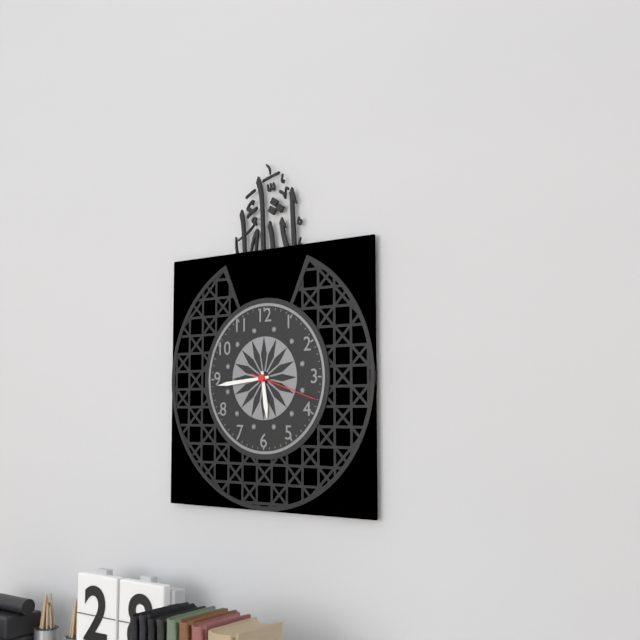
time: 5:44:18
